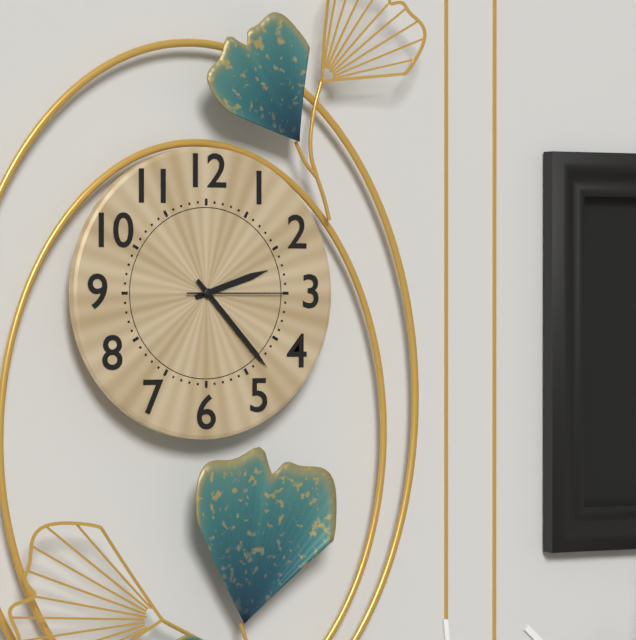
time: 2:23:15
